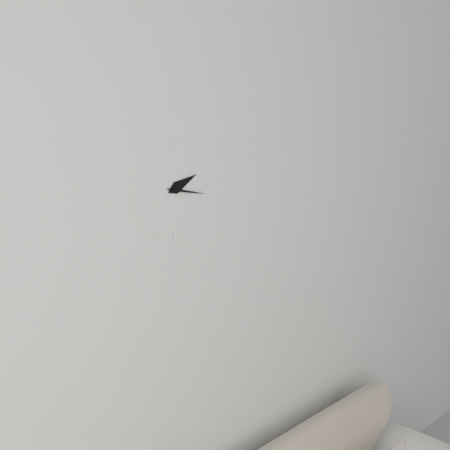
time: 2:17
